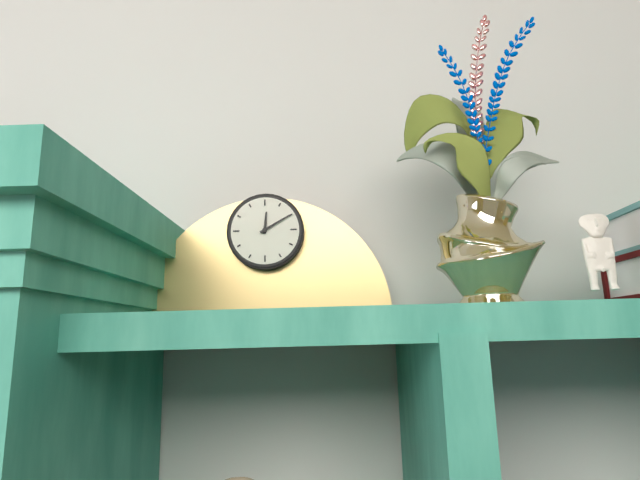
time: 12:10
